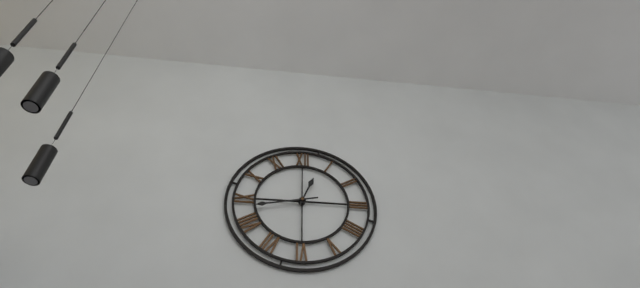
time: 12:43
